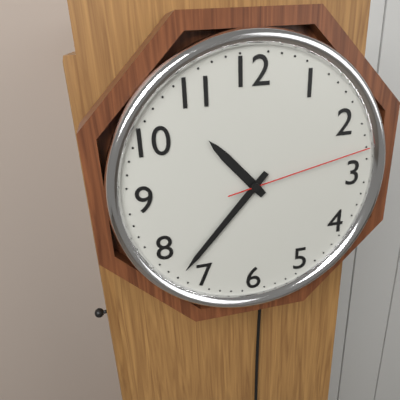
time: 10:37:13
